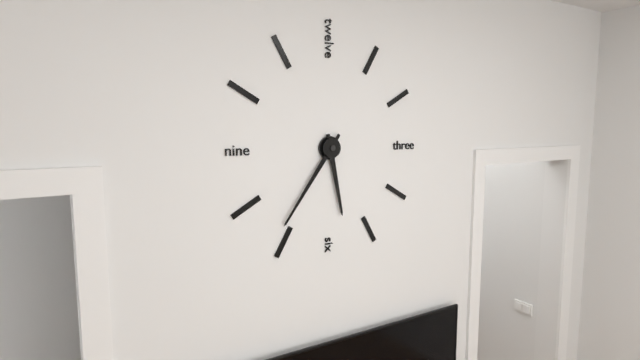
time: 5:36
